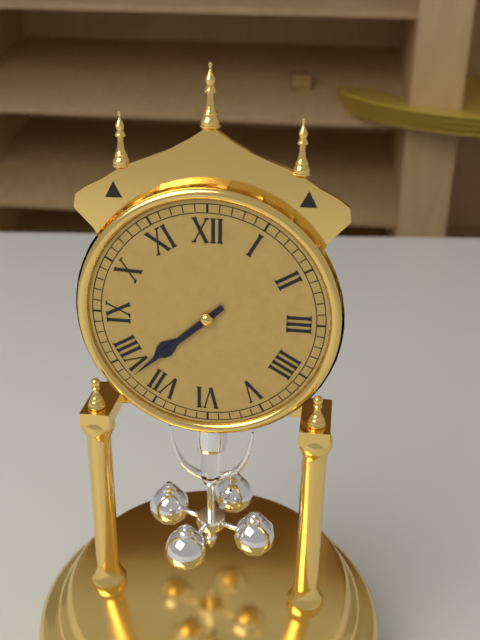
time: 7:38
